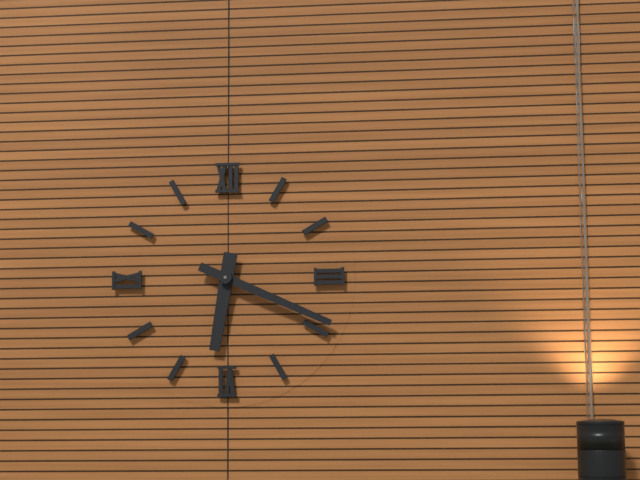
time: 6:19
